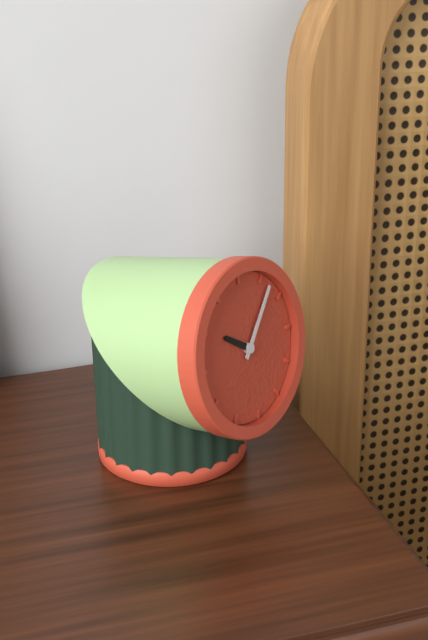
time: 10:07
